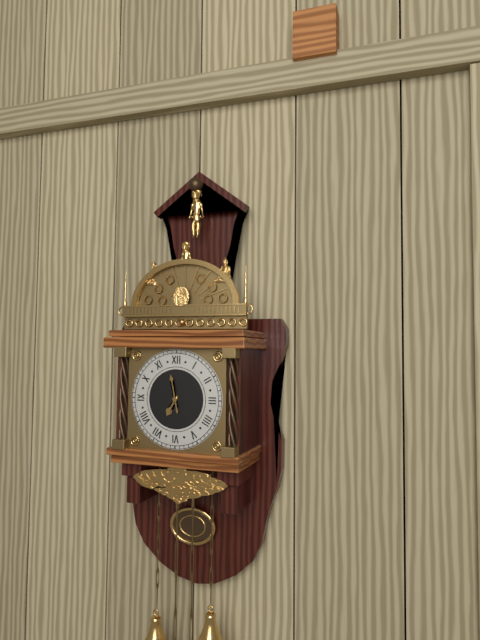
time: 6:58
